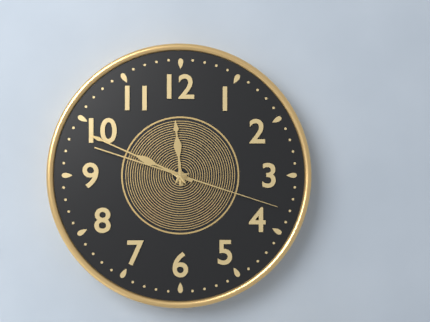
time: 11:49:18
